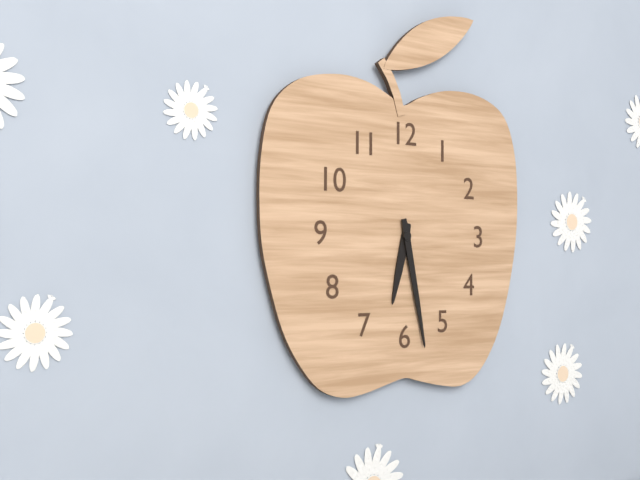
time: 6:28
